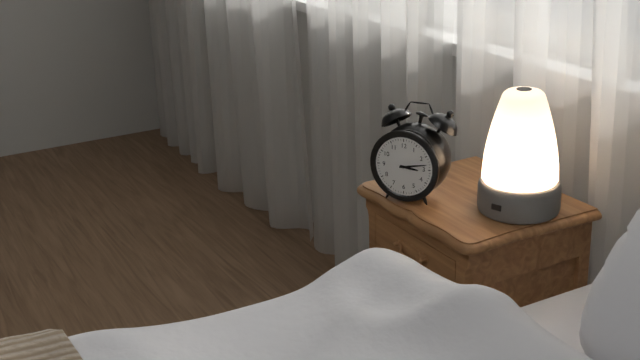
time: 3:13
